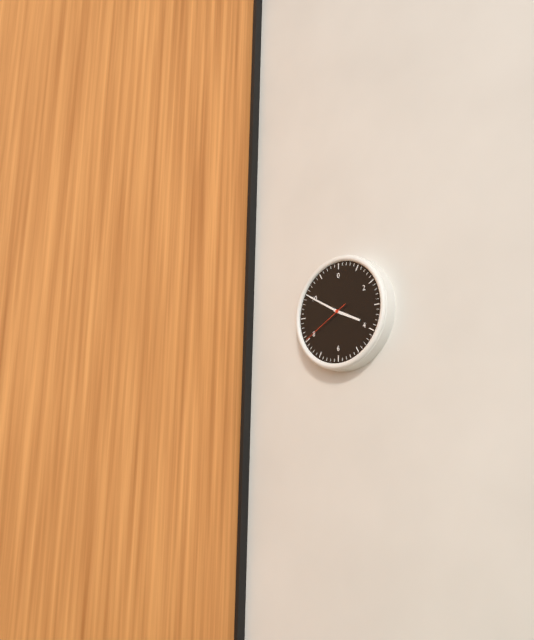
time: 3:50:40
